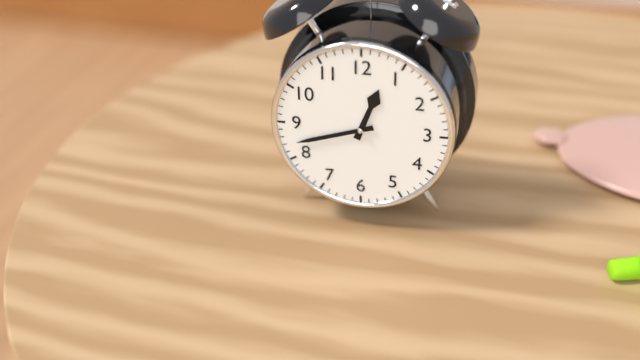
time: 12:42
